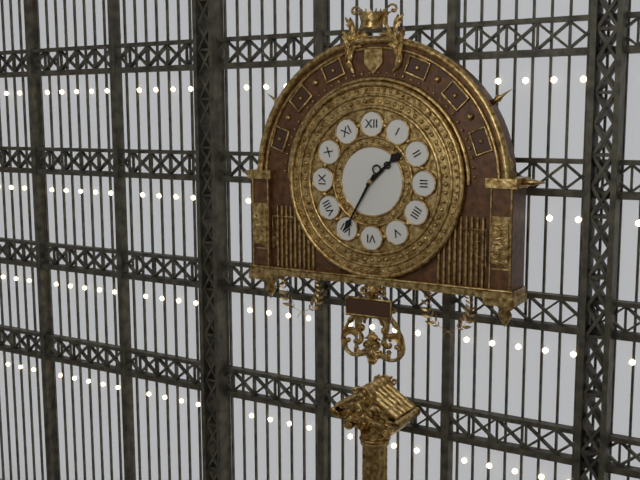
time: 1:35
